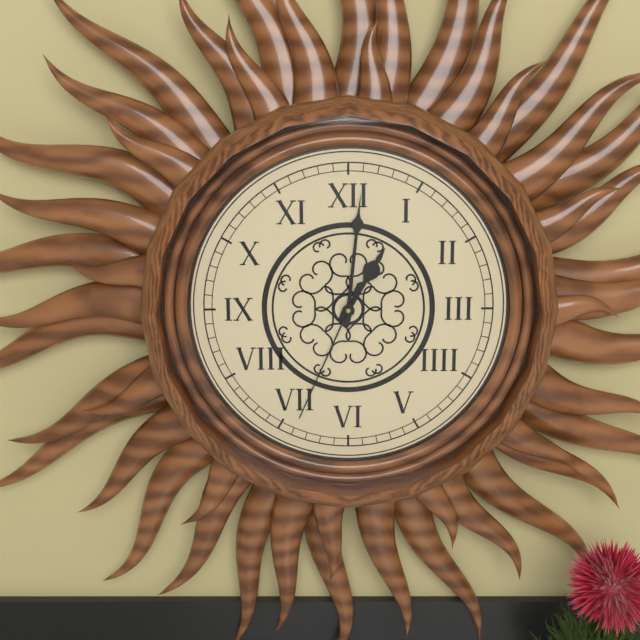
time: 1:01:34
